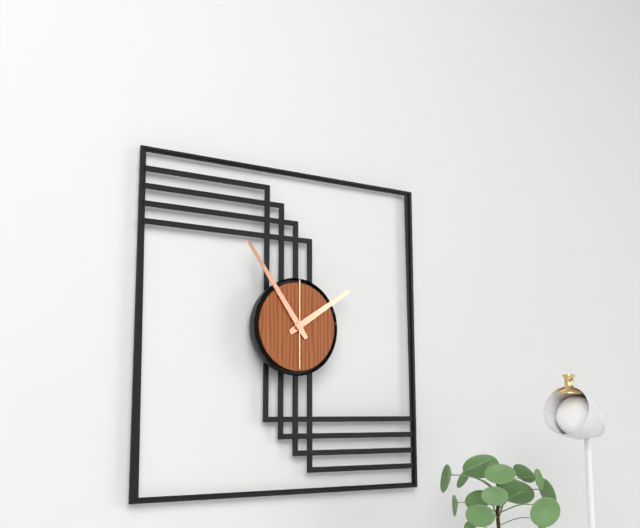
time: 1:54:00
